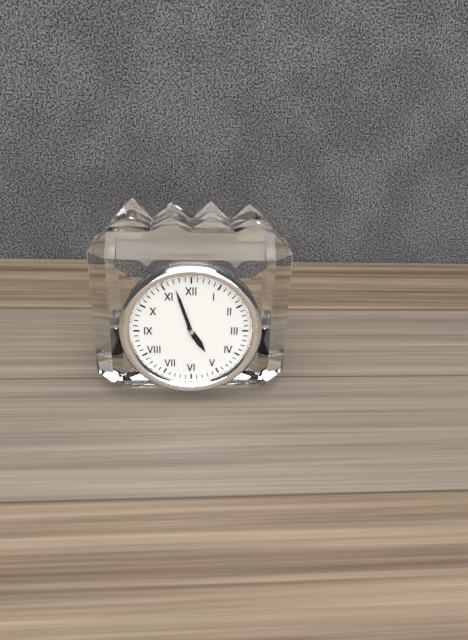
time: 4:57
